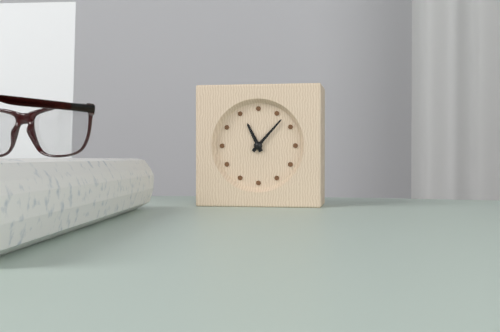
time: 11:07
